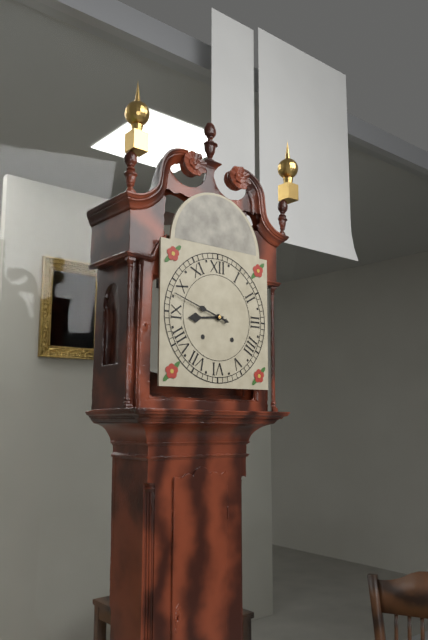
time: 8:48
